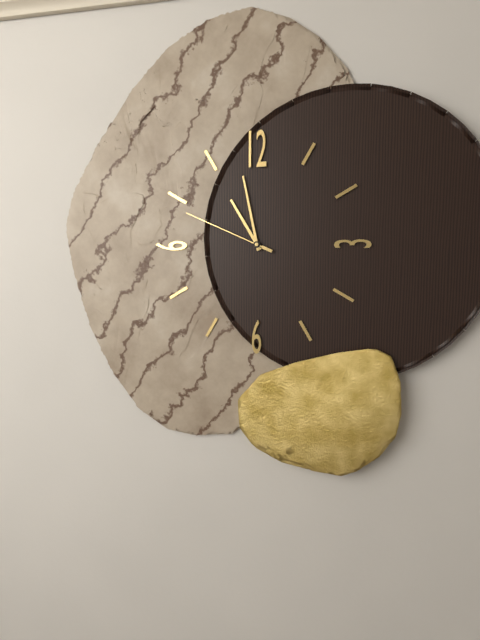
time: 10:58:49
